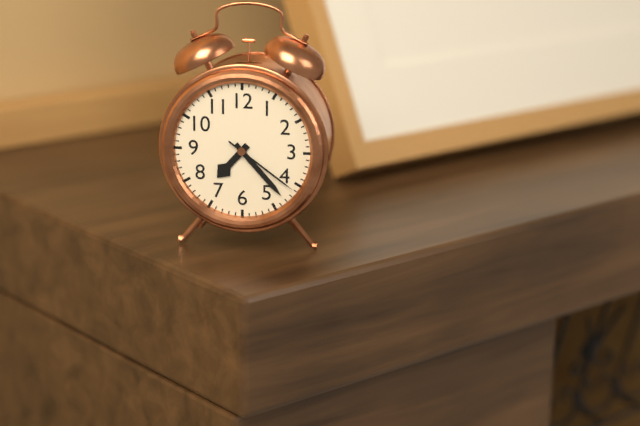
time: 7:23:21
